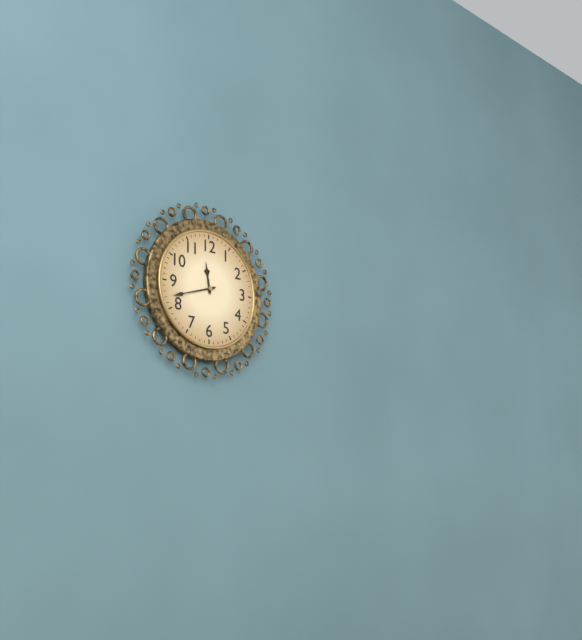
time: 11:42
